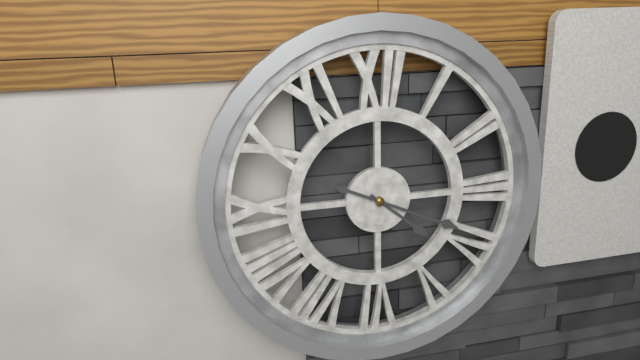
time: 4:19
